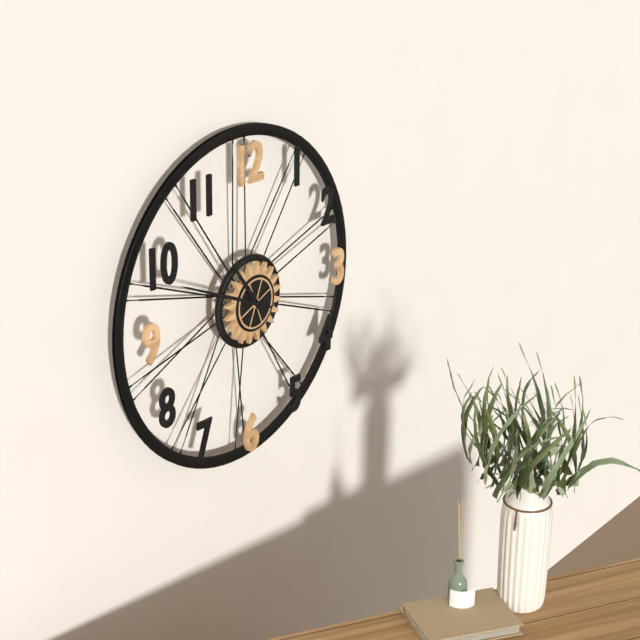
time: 10:49
